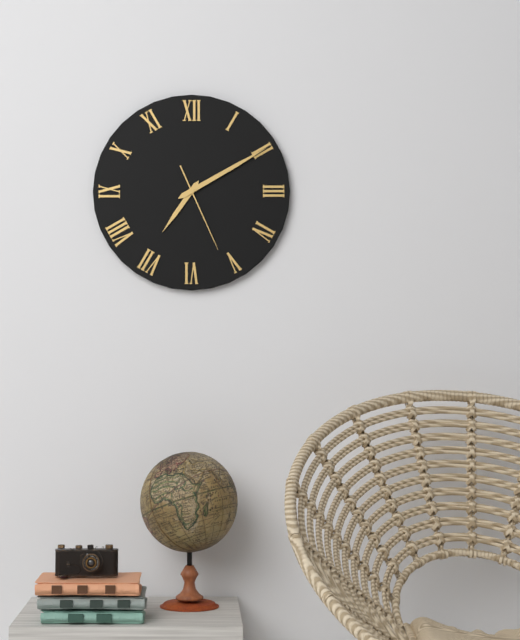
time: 7:10:26
